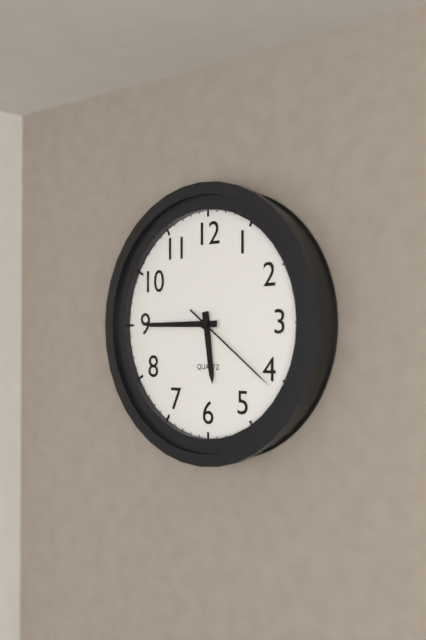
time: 5:45:21
